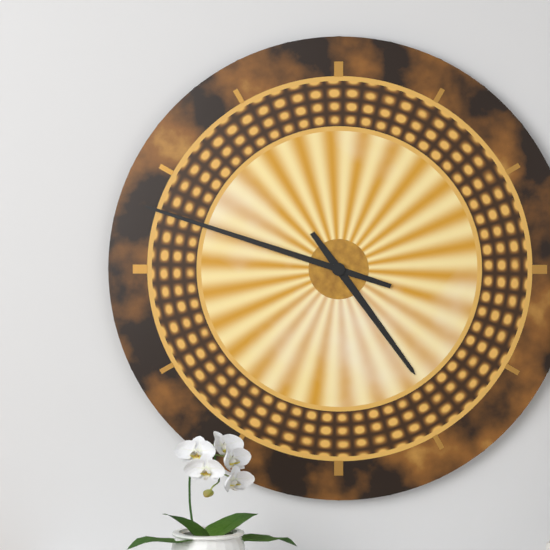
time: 4:48
